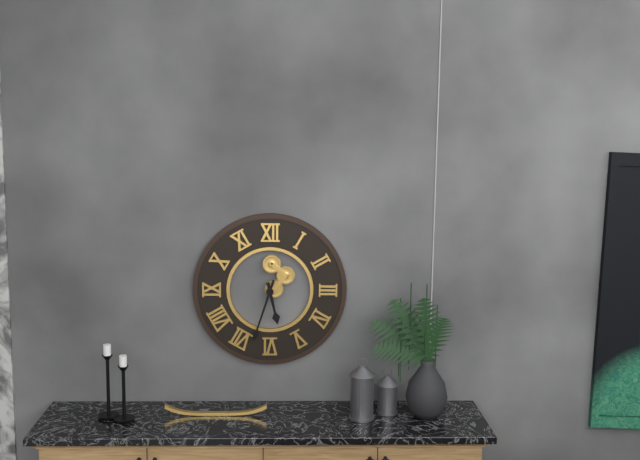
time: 5:33
